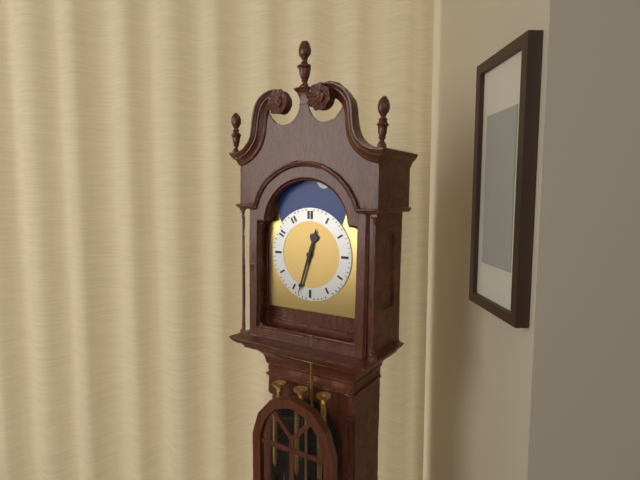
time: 12:33
